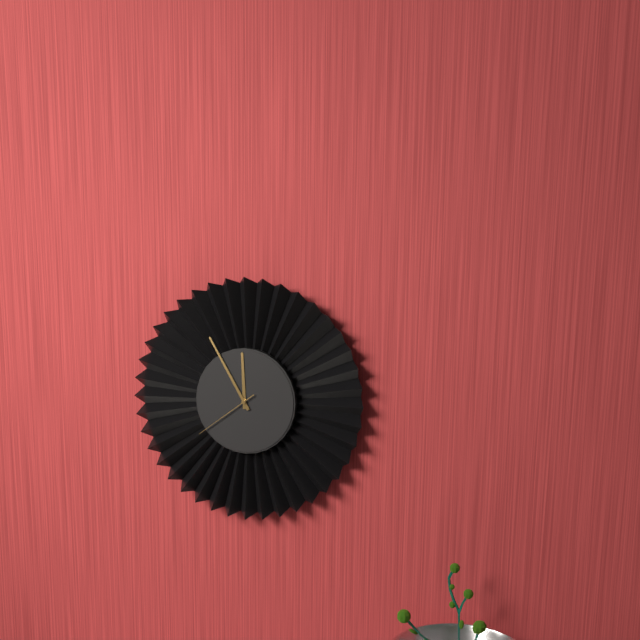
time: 11:55:39
